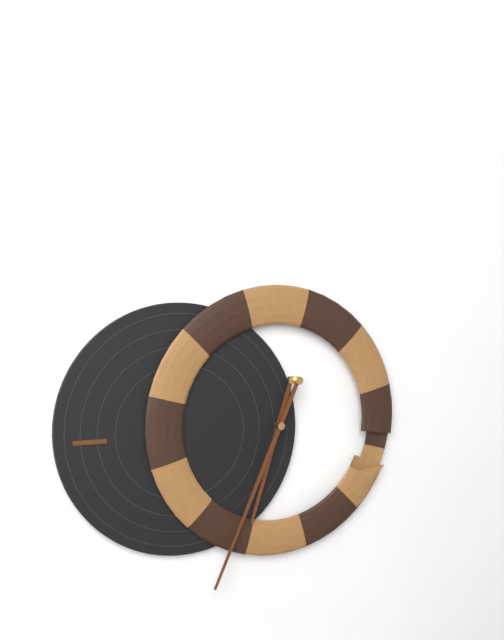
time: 6:34
